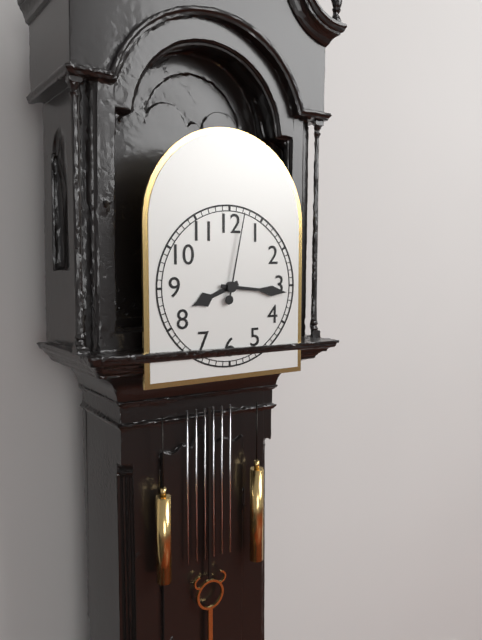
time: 8:16:02
